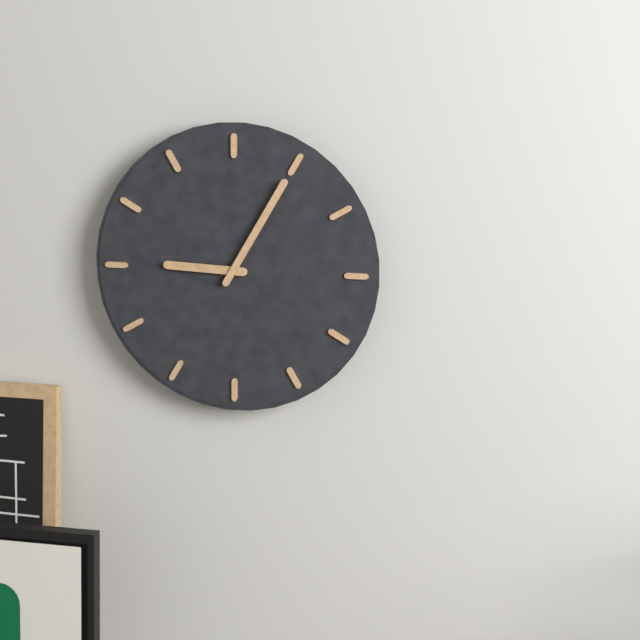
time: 9:05
